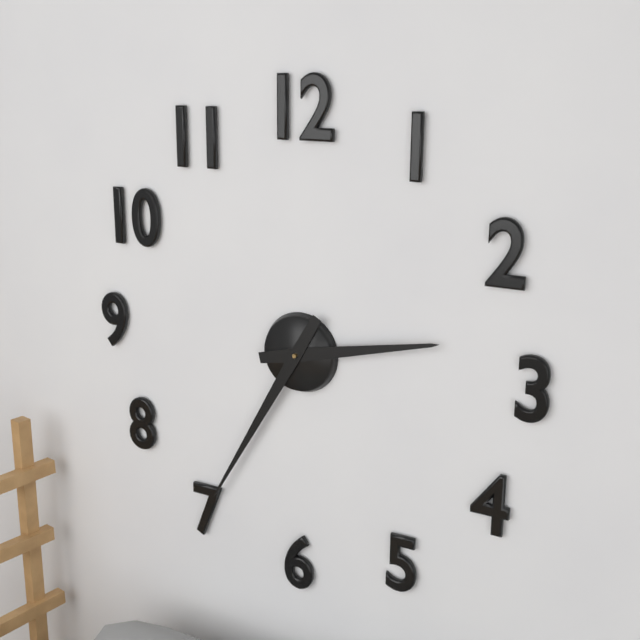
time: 2:35
